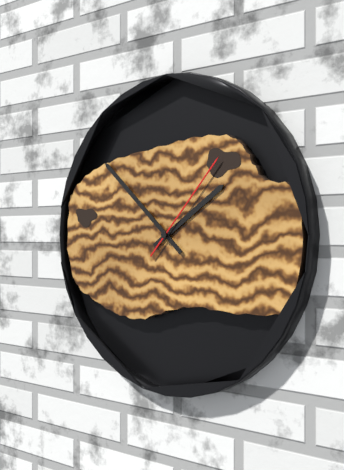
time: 1:52:07
